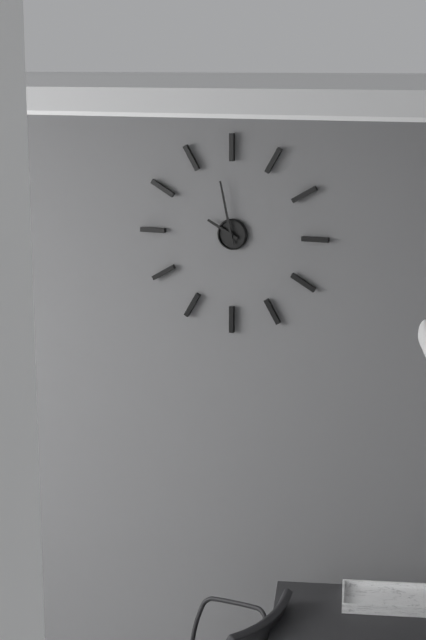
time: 9:58
